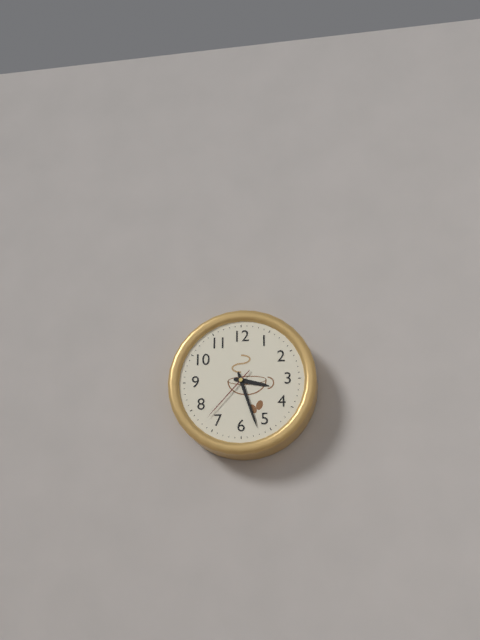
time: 3:27:37
